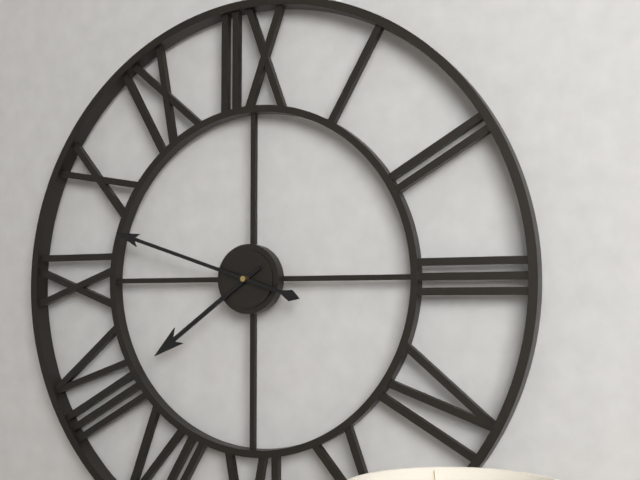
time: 7:48
